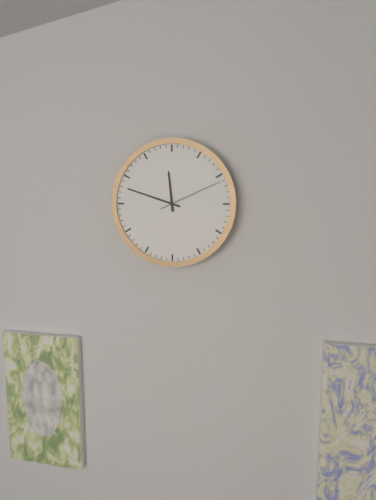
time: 11:48:11
